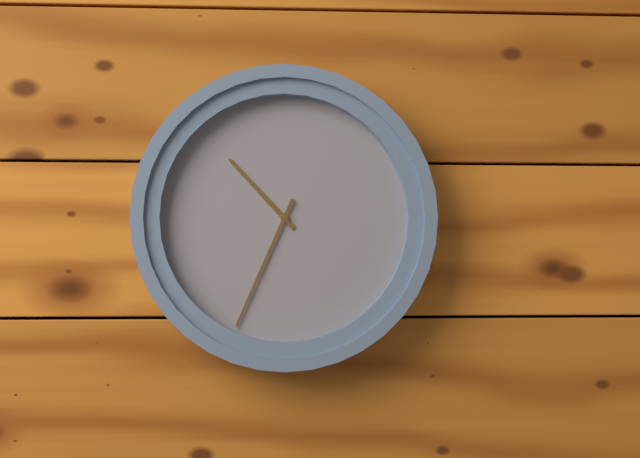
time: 10:34
